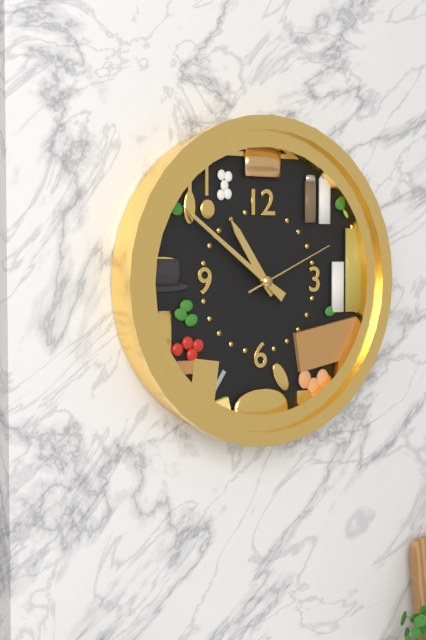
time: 10:51:11
